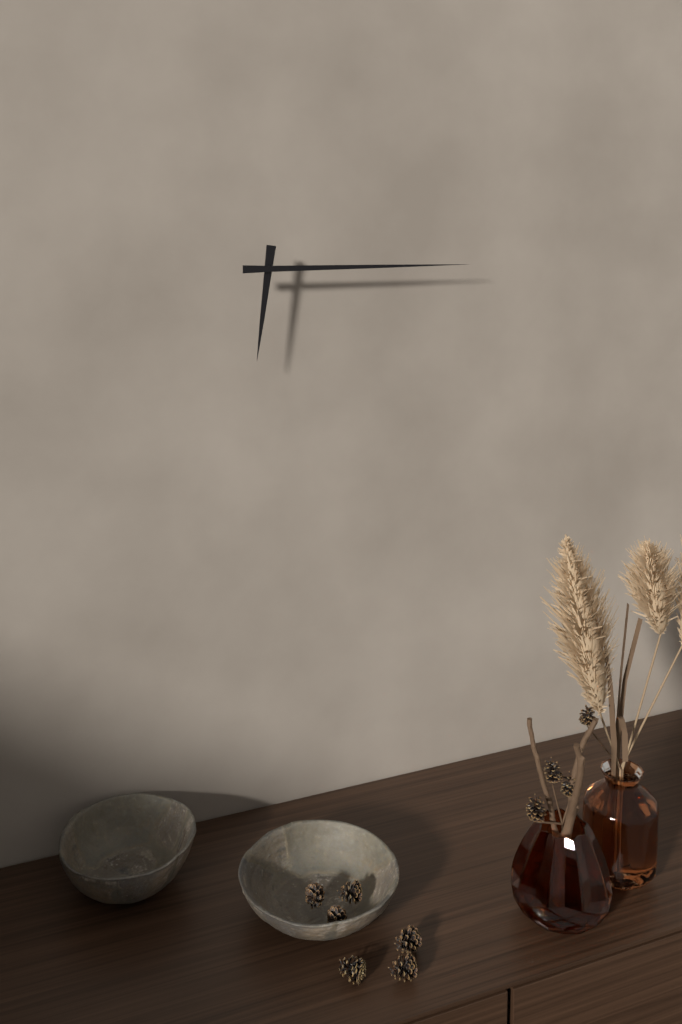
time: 6:15
